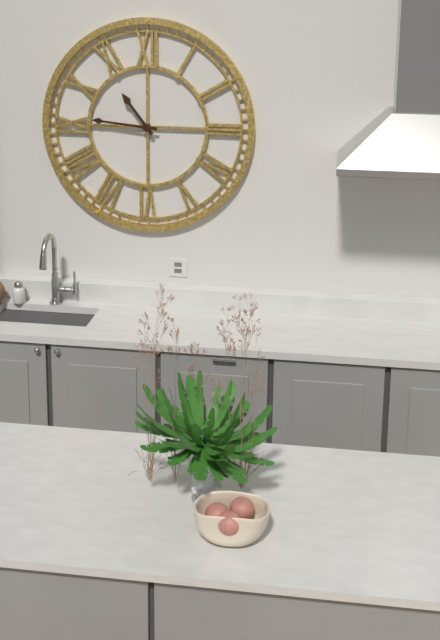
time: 10:46
